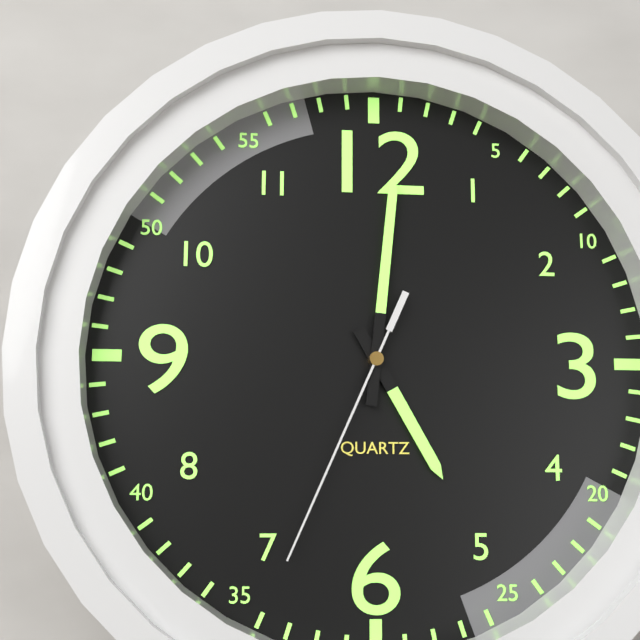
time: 5:01:34
